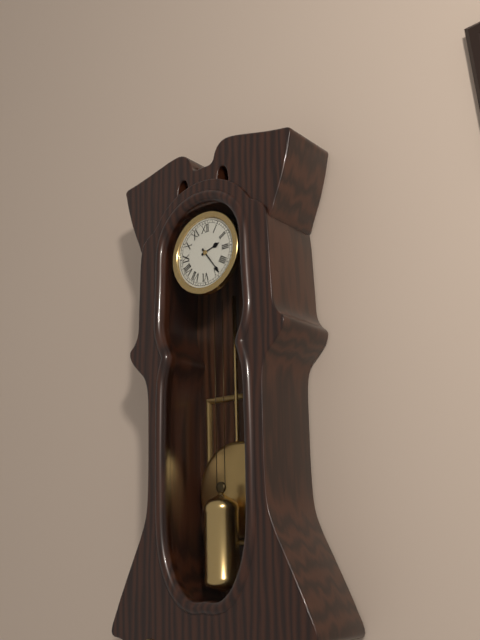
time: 2:24
